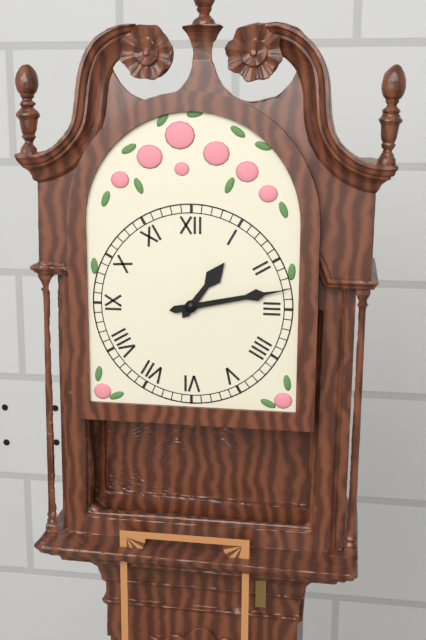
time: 1:13
